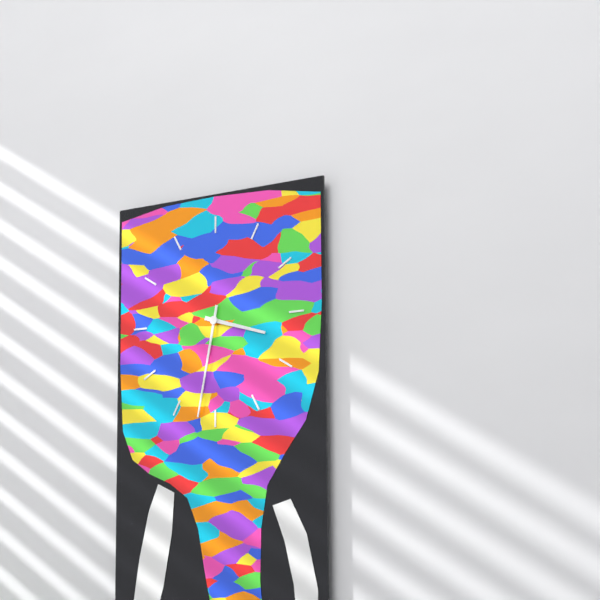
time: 3:32
